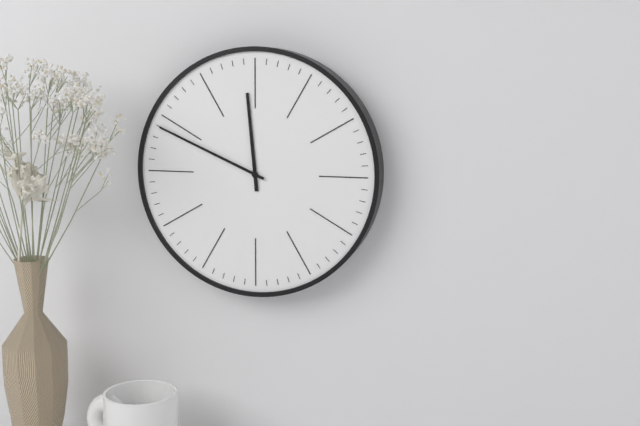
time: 11:49
